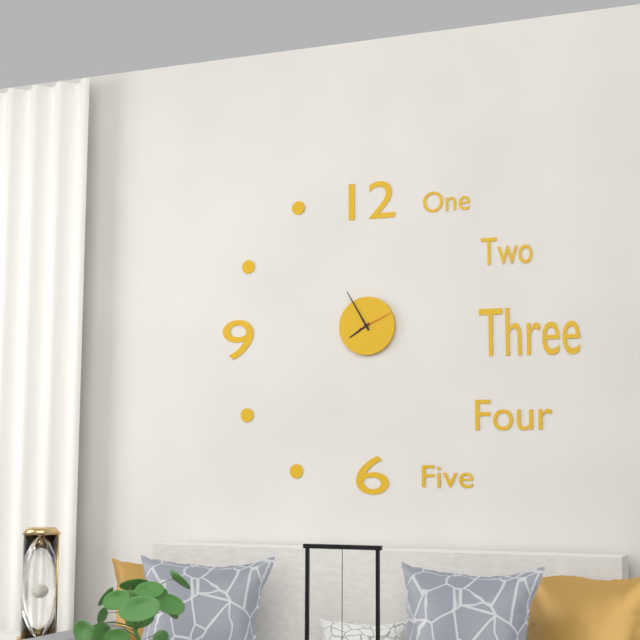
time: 7:55
